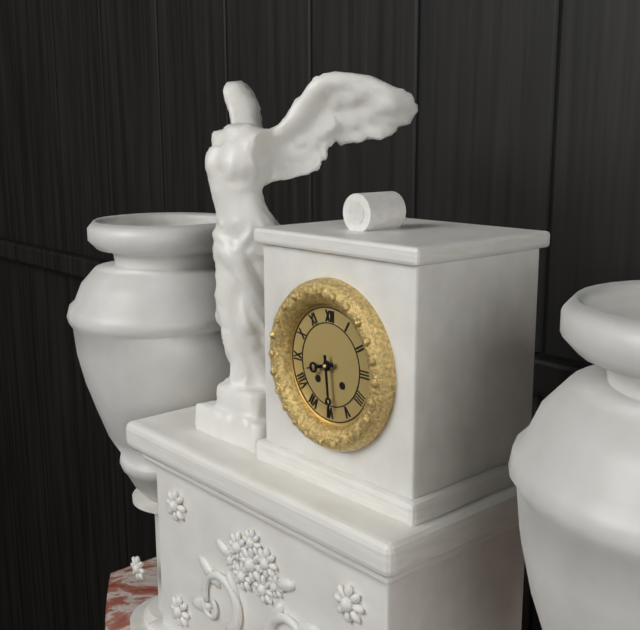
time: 8:29
